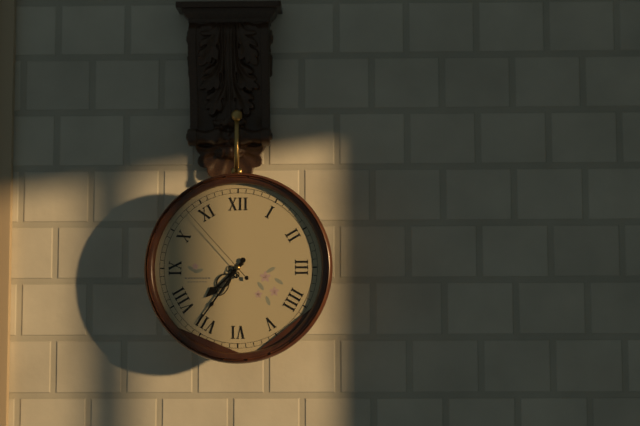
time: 7:36:53
